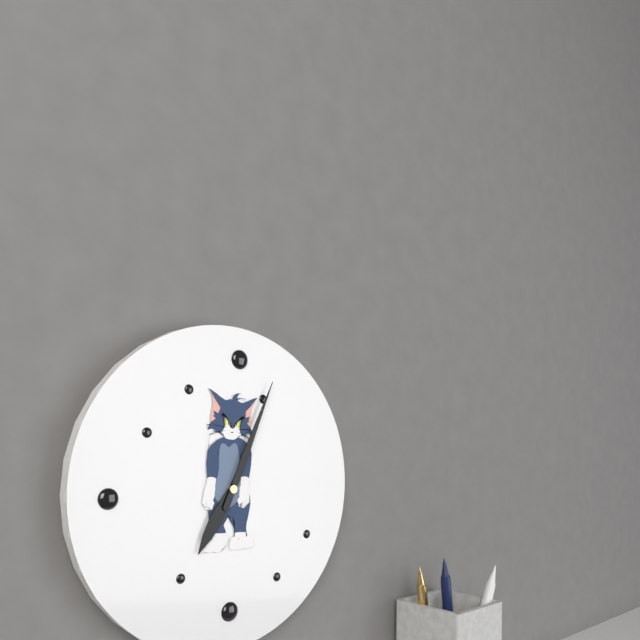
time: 7:04
